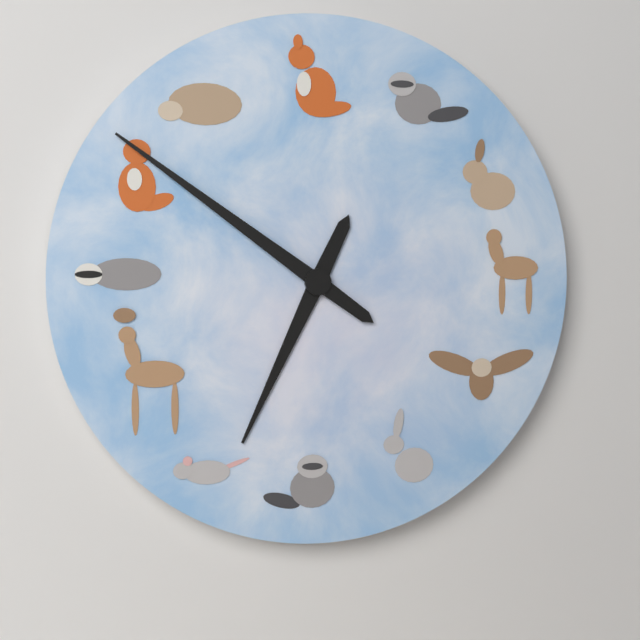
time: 6:51
